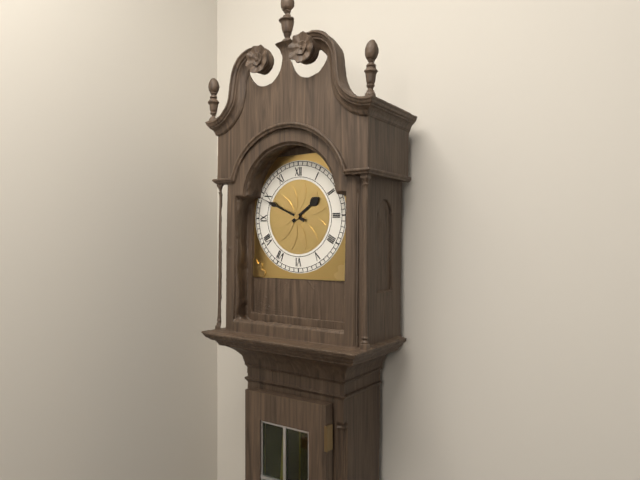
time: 1:49
